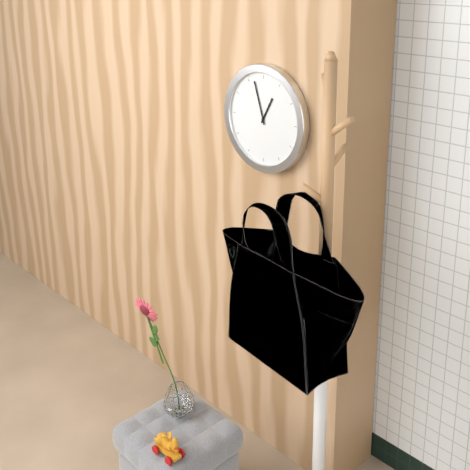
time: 12:57
